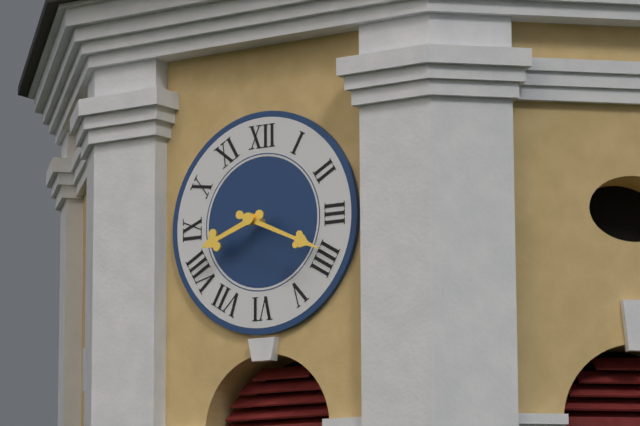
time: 8:19
